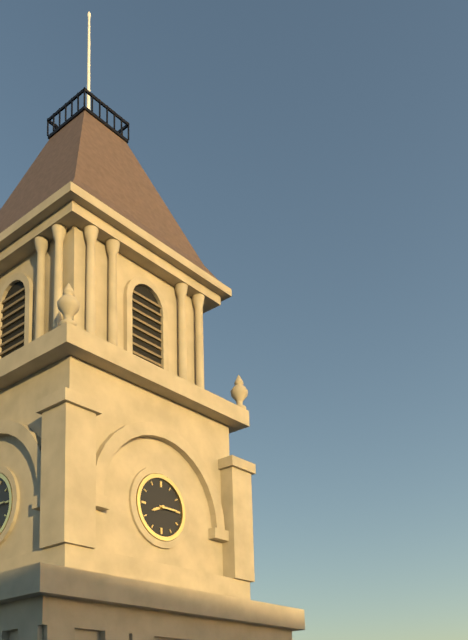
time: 8:15
